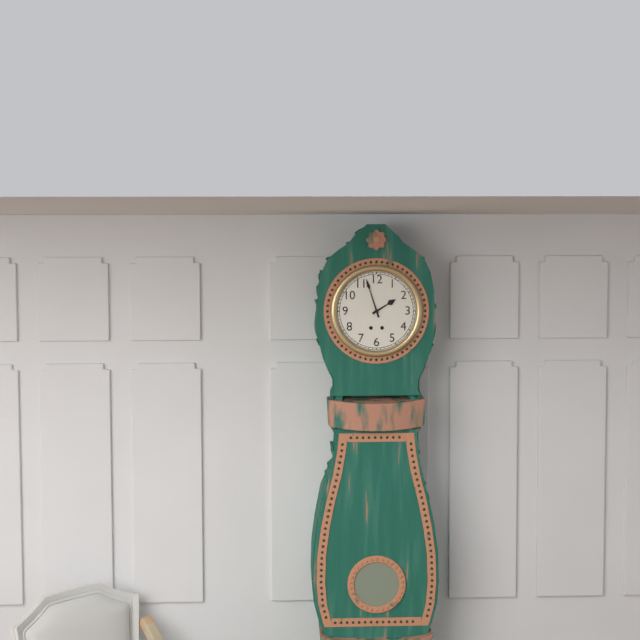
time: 1:57
